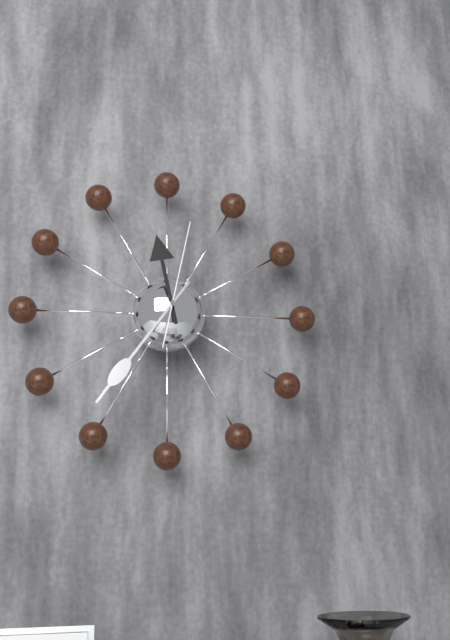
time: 11:36:02
